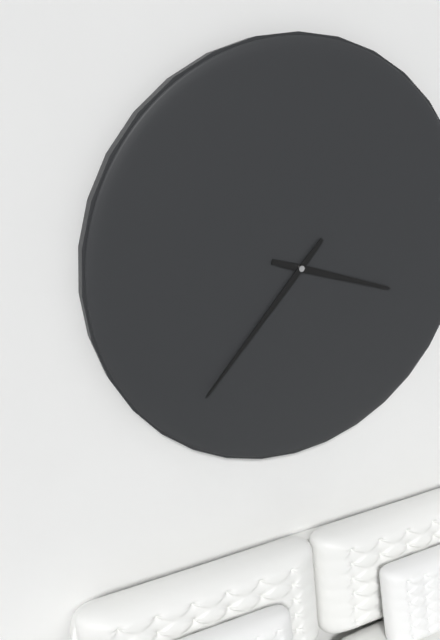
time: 3:37
